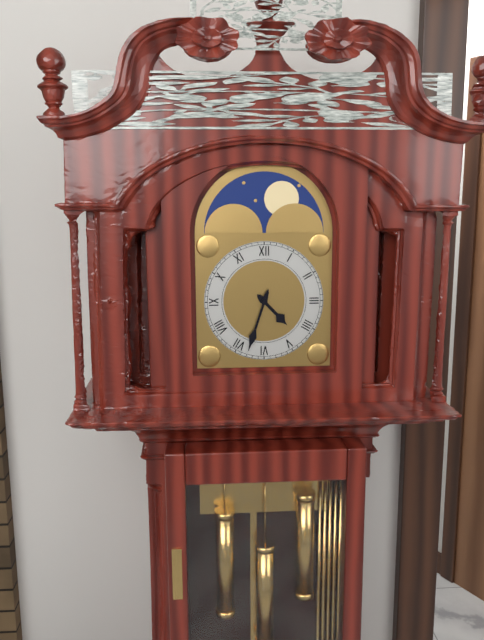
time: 4:33
